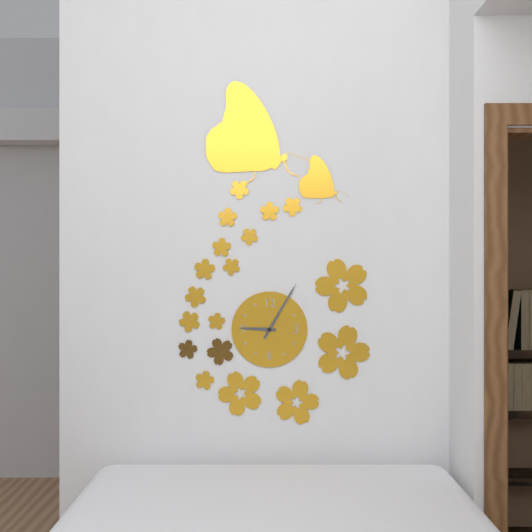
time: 9:05
